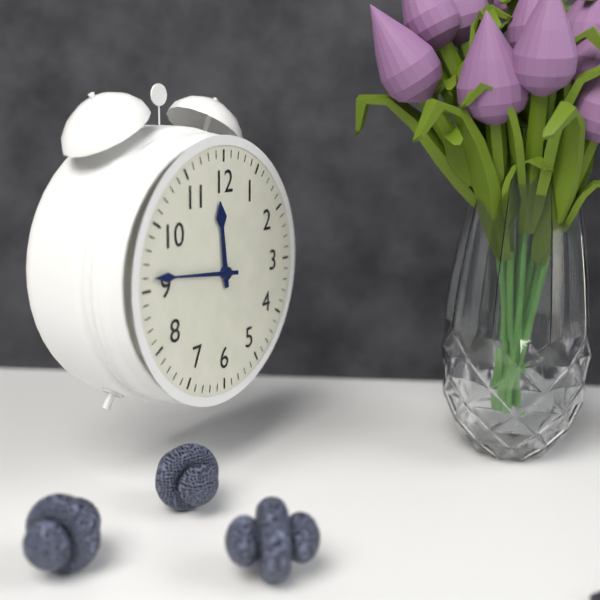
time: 11:46
